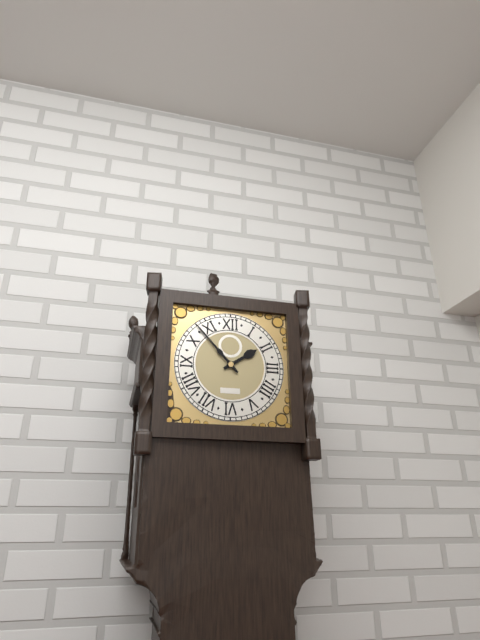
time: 1:53
